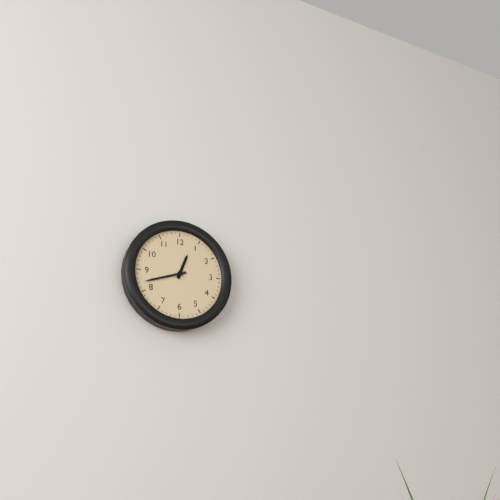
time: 12:42
